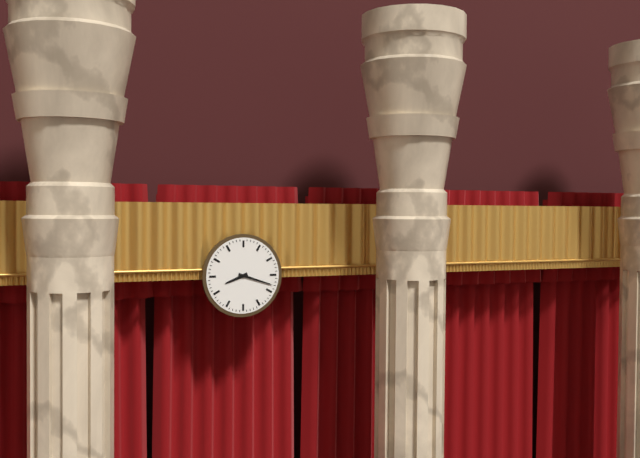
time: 8:18
